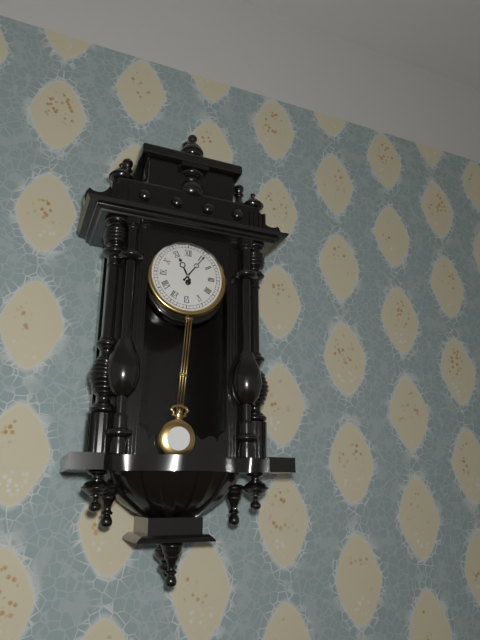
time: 11:06
